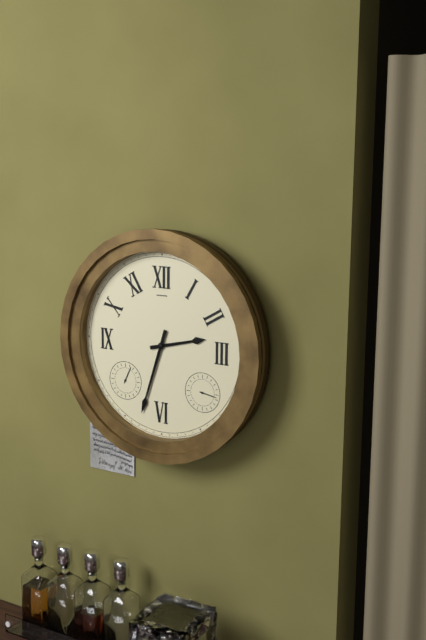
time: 2:33
